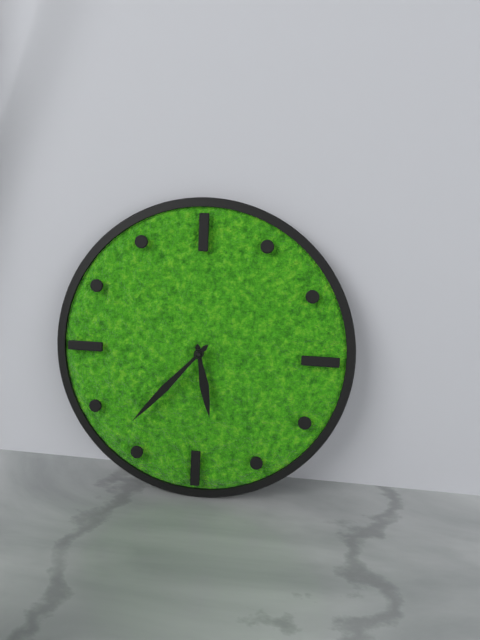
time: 5:37
